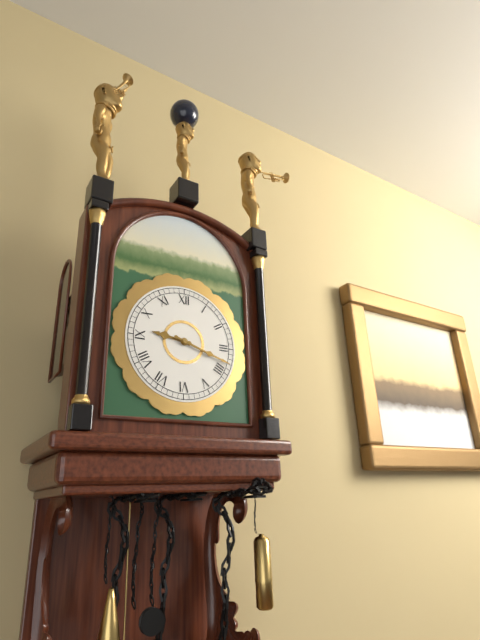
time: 9:18
